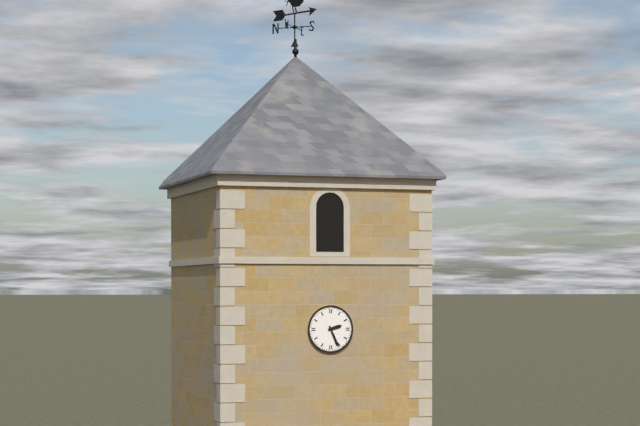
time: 2:26
